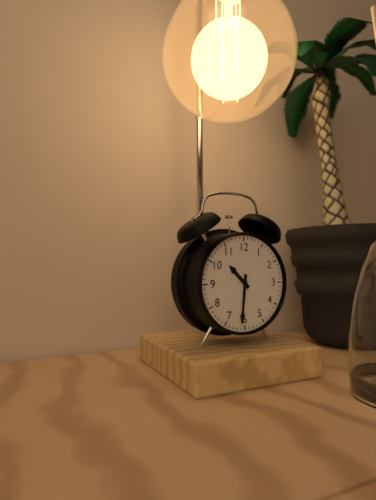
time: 10:31
